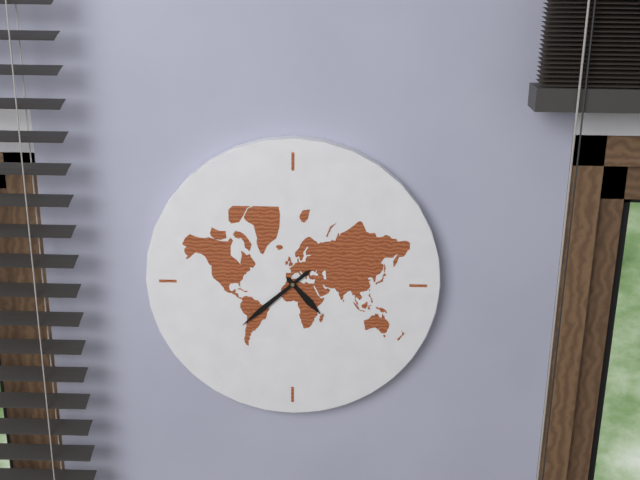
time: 4:38
